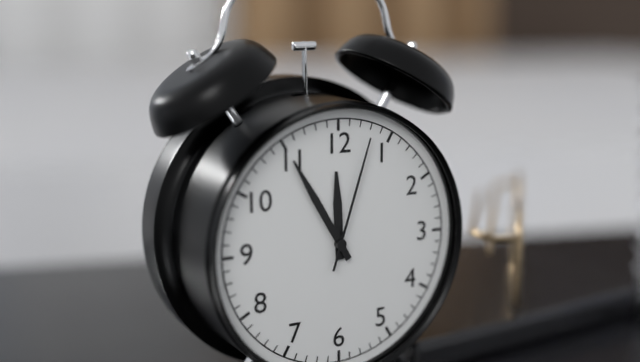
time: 11:55:03
